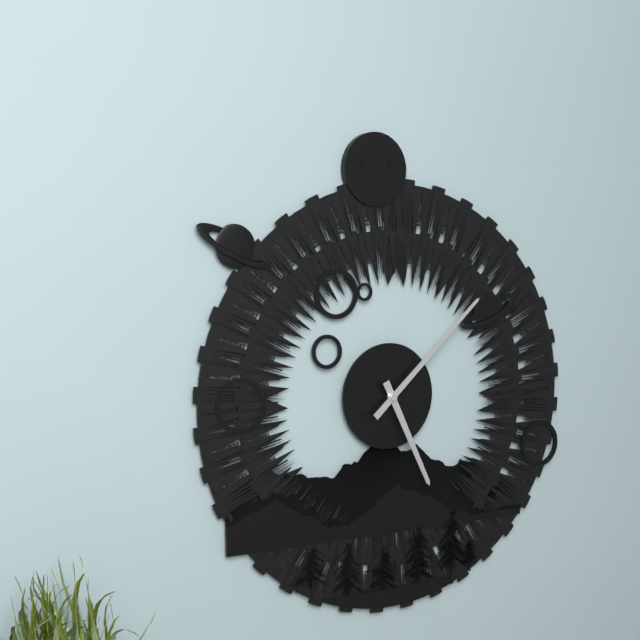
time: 5:08
